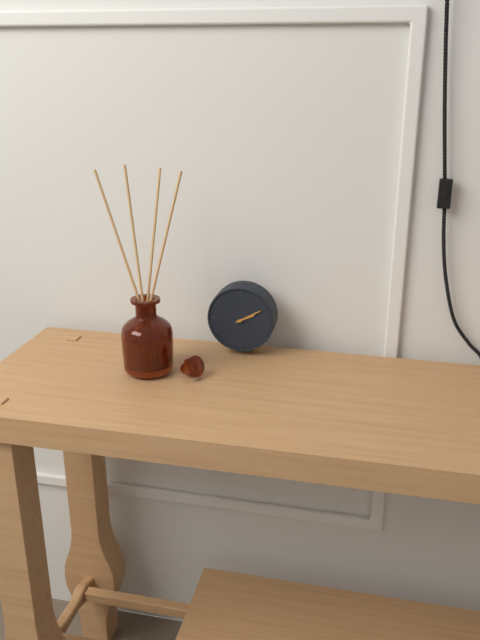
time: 2:10
